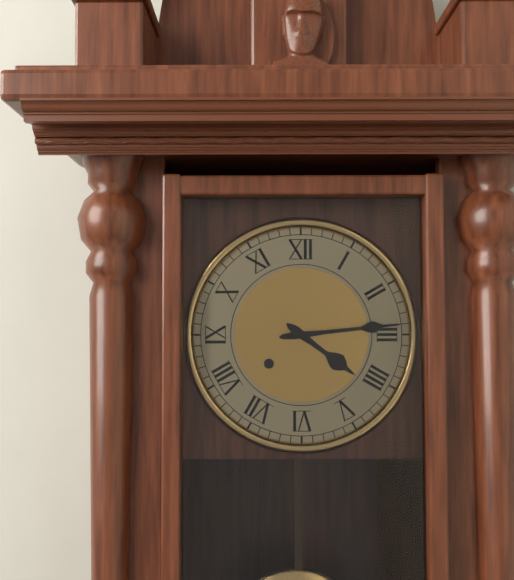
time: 4:14
